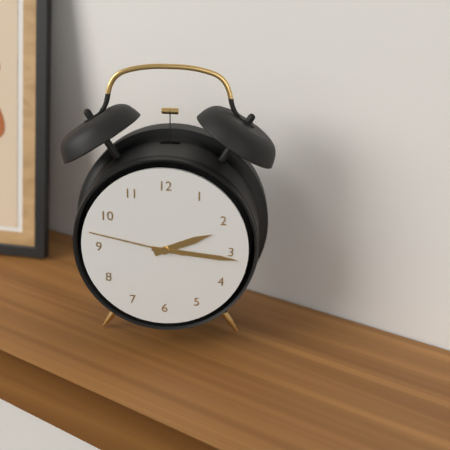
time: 2:16:47
